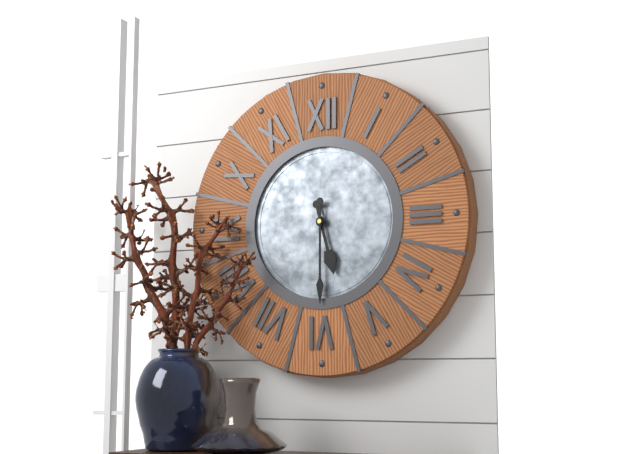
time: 5:30
